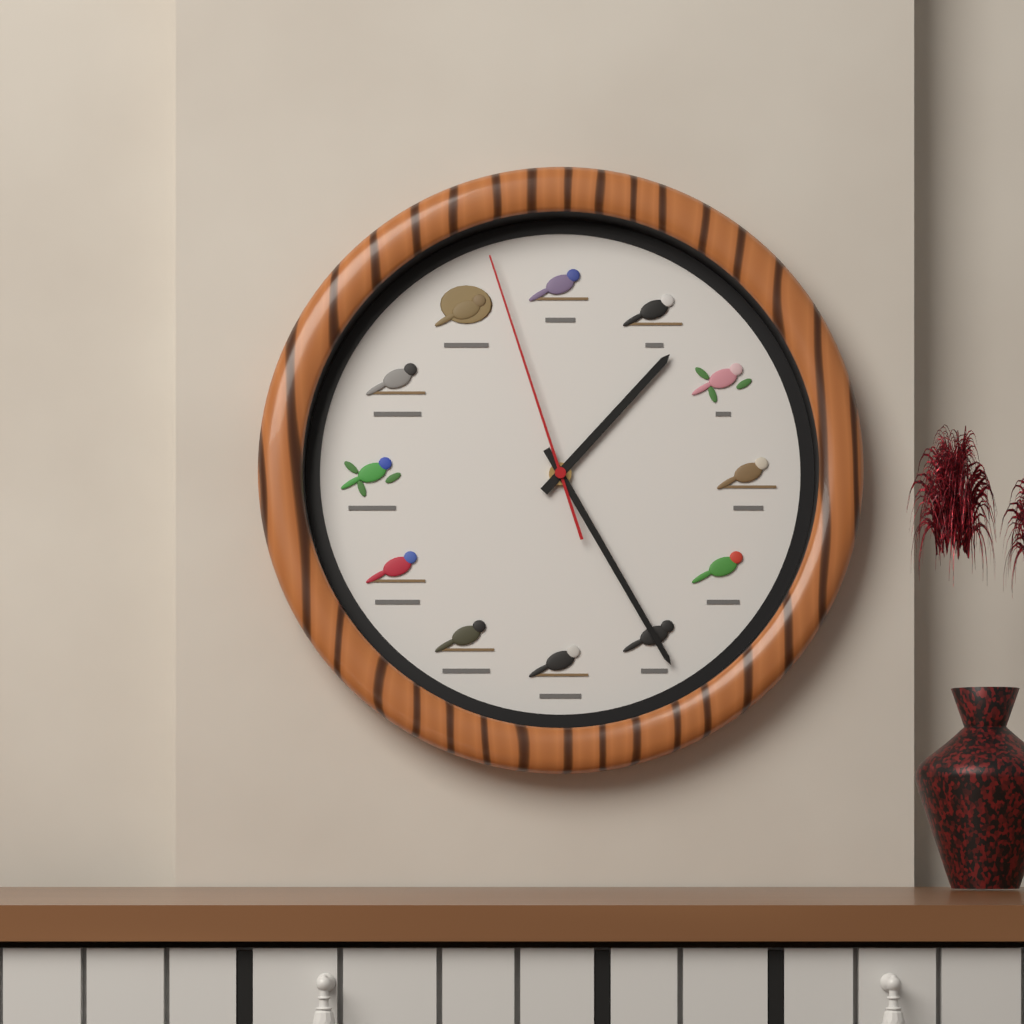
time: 1:25:57
